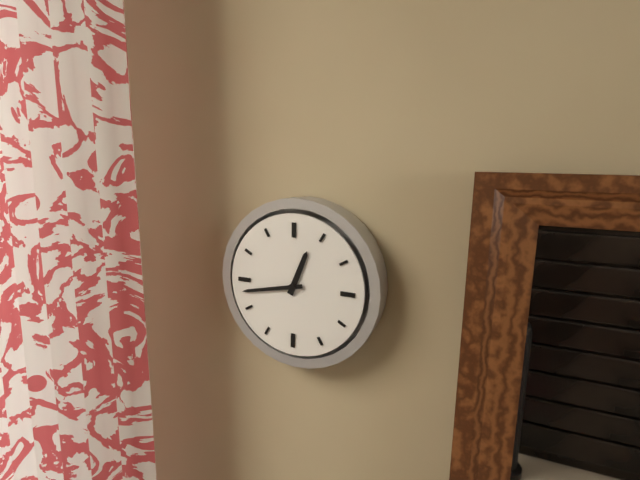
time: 12:43
